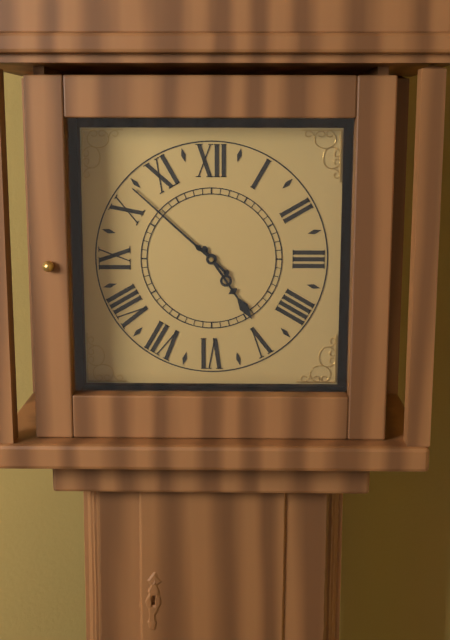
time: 4:52
